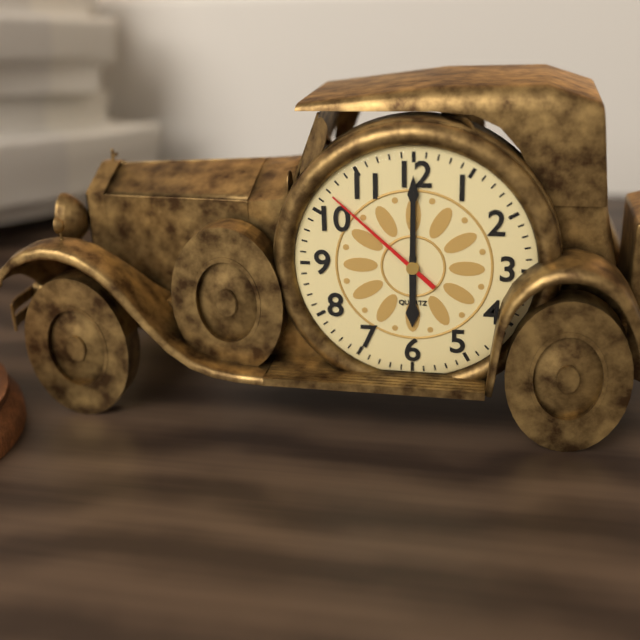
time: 6:00:52
